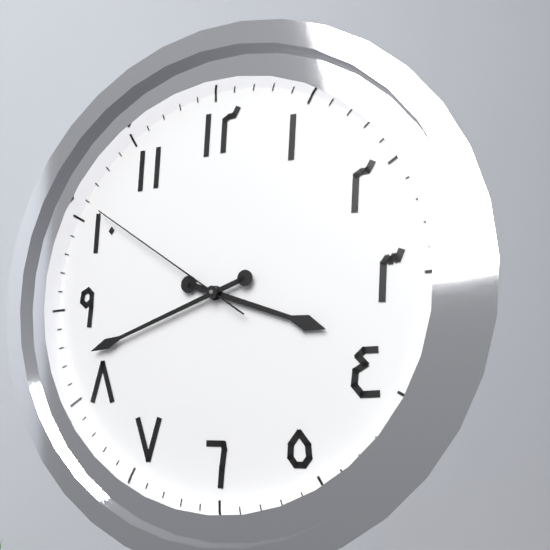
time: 3:42:51
